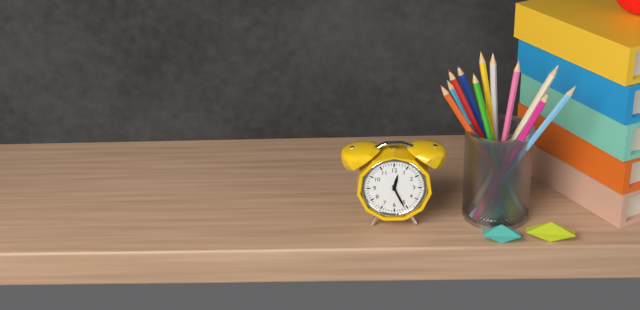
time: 12:26
